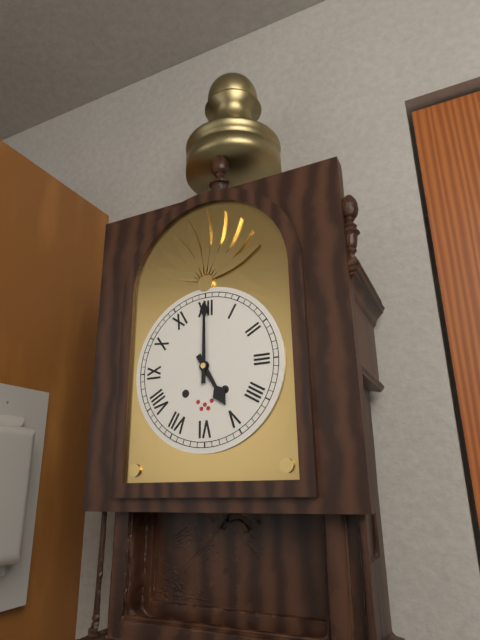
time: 5:00
